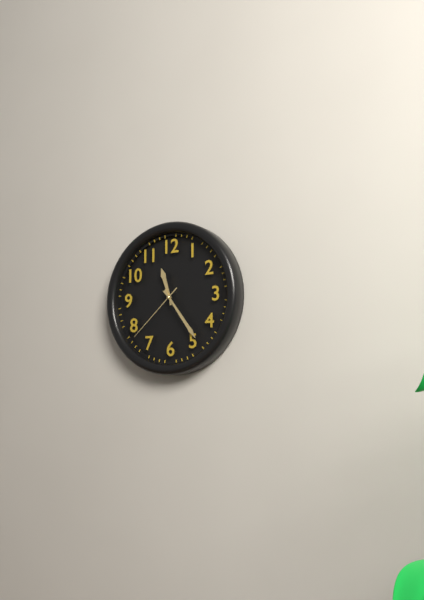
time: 11:24:38
